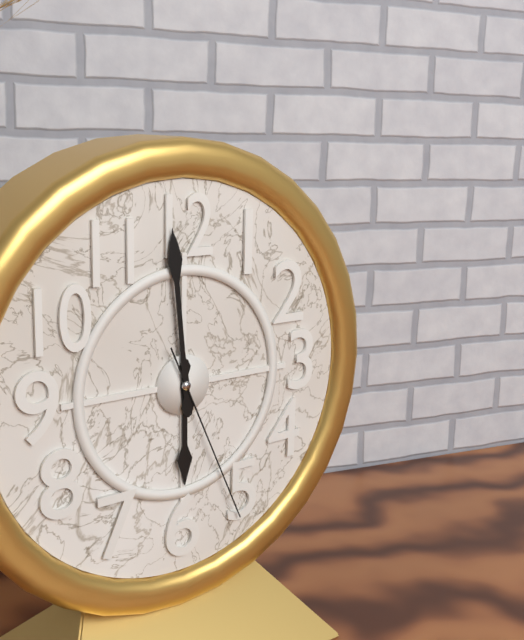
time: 5:59:26
